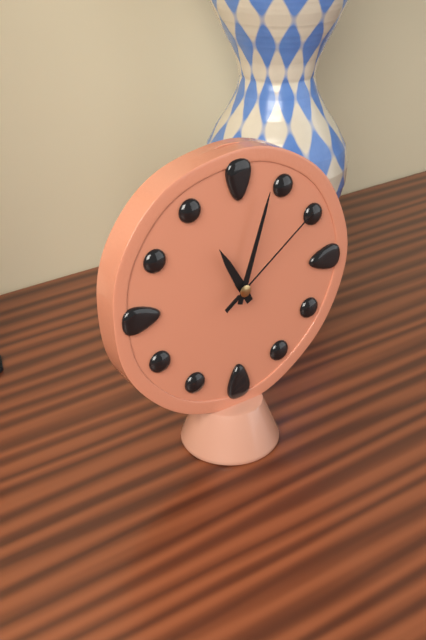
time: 11:03:09
